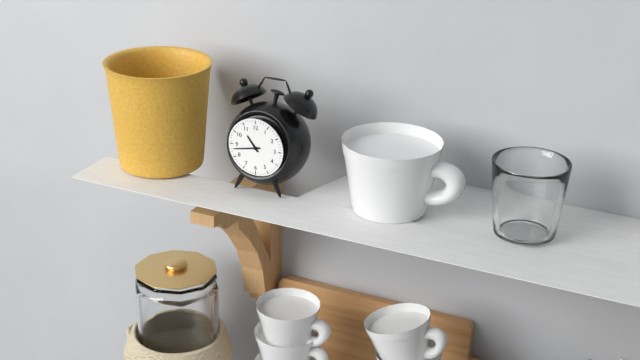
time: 10:43
